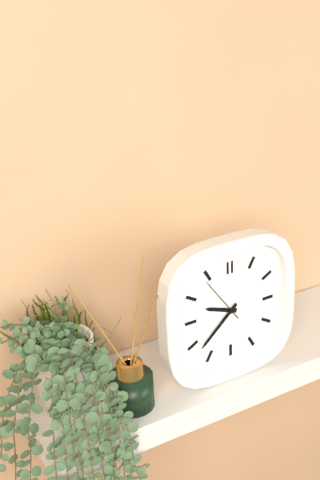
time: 9:38
